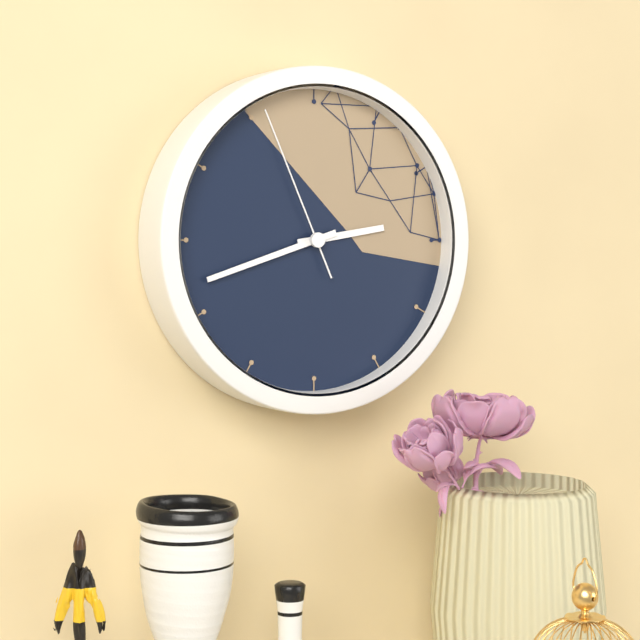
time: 2:42:56
